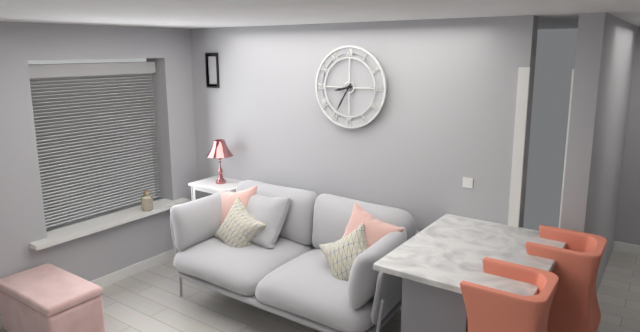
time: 8:35
